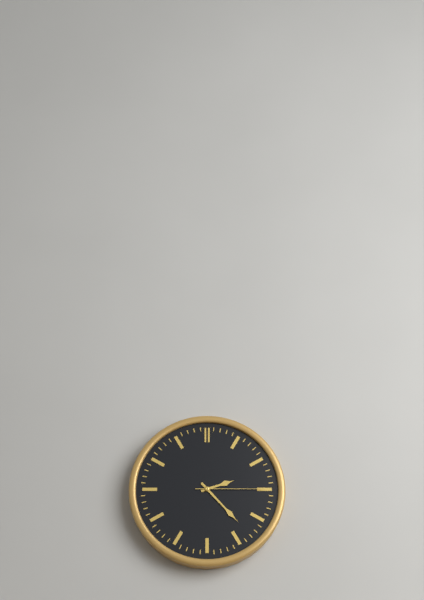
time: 2:23:15
